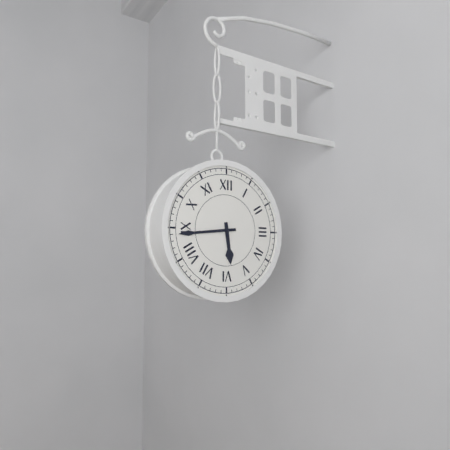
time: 5:44
